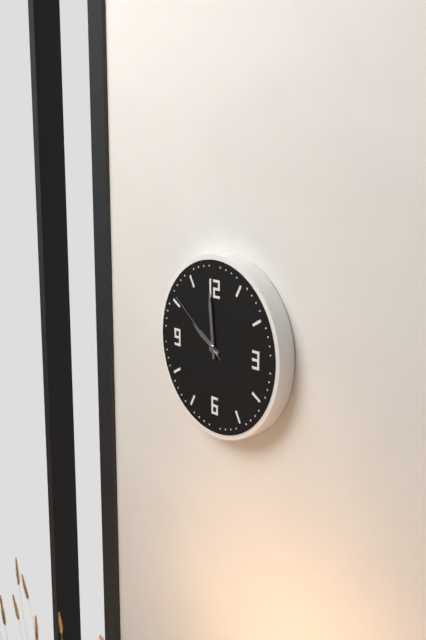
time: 9:59:51
